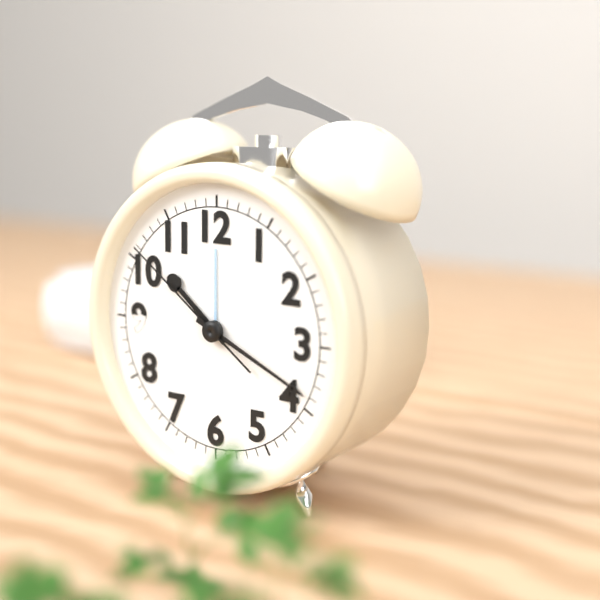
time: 10:19:51
